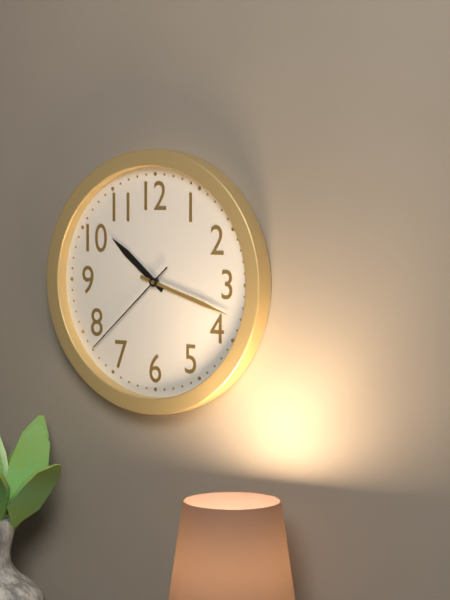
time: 10:18:38
